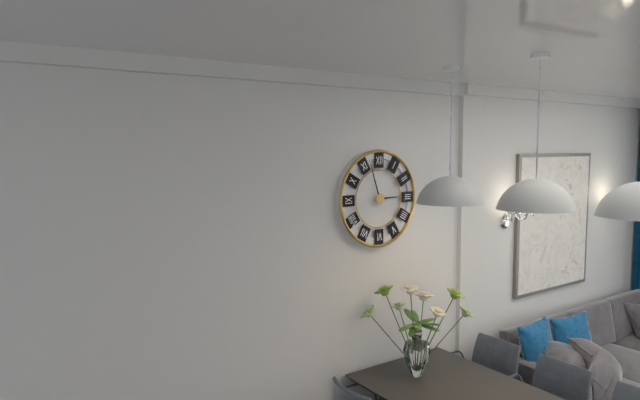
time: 2:57
